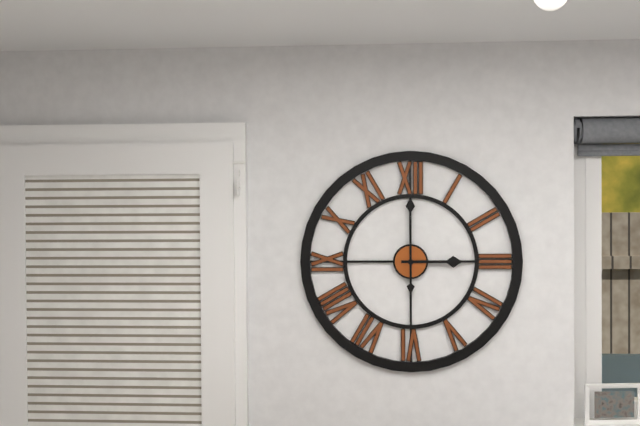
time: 3:00
